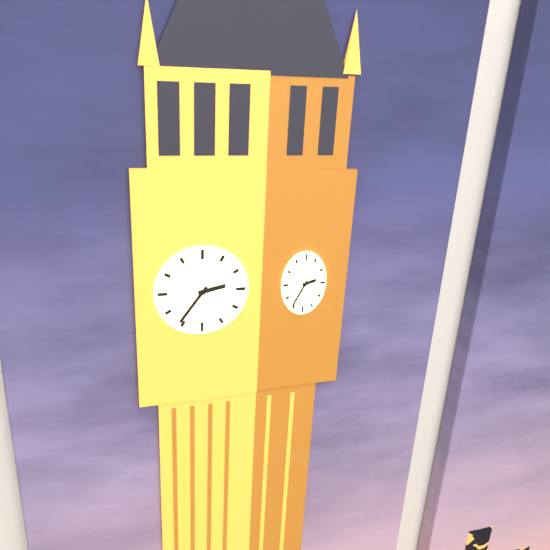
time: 2:36
